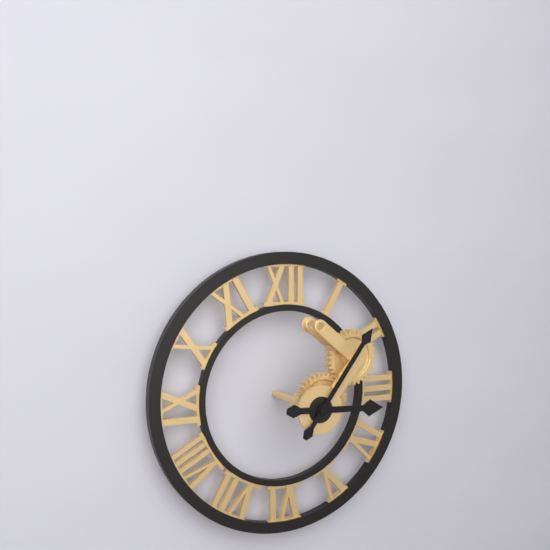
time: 3:06
